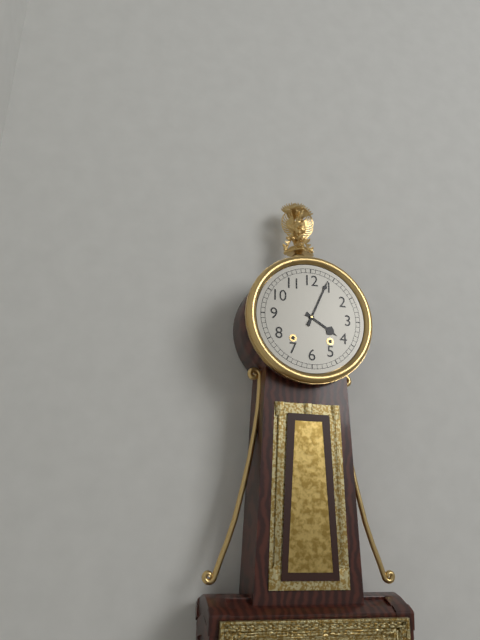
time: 4:04
